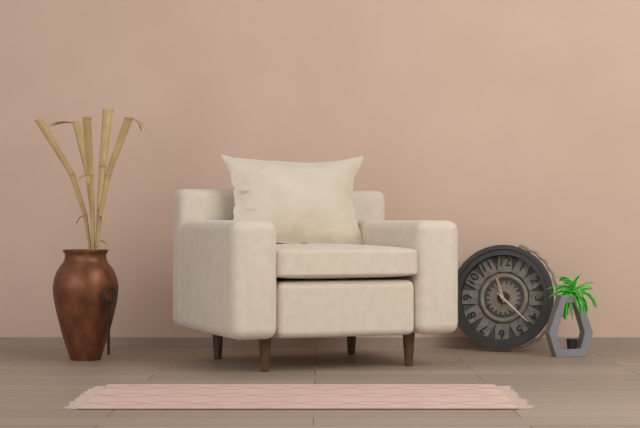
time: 11:22
